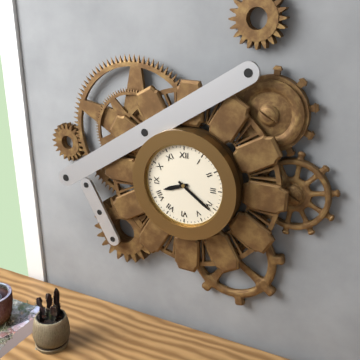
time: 8:21
